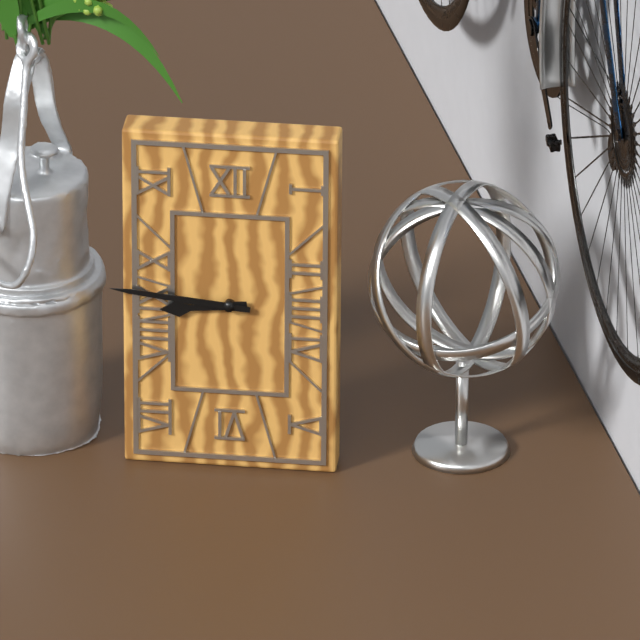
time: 8:46
